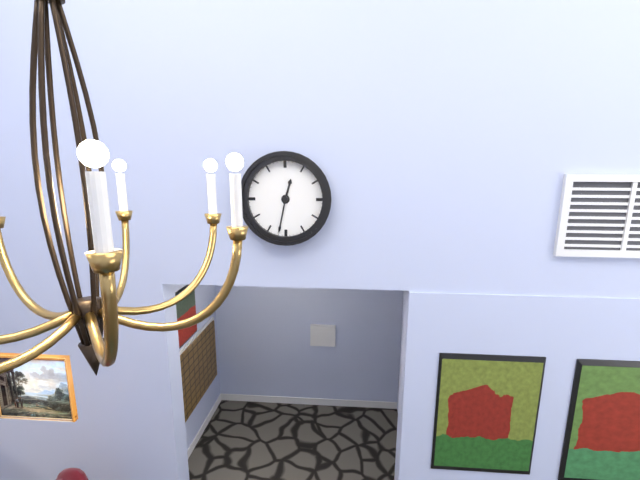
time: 12:32
